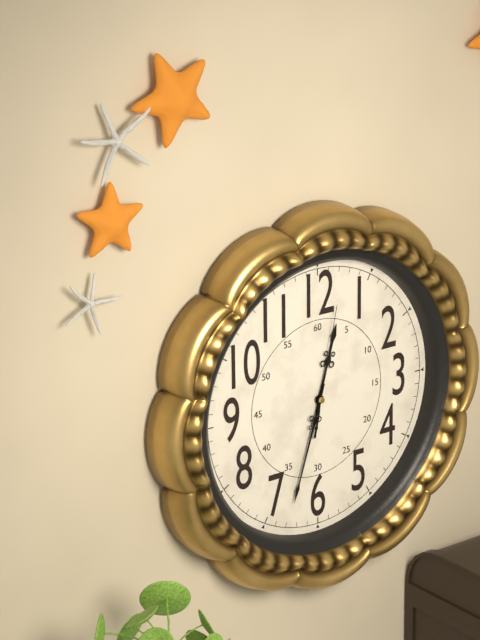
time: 12:33:02
